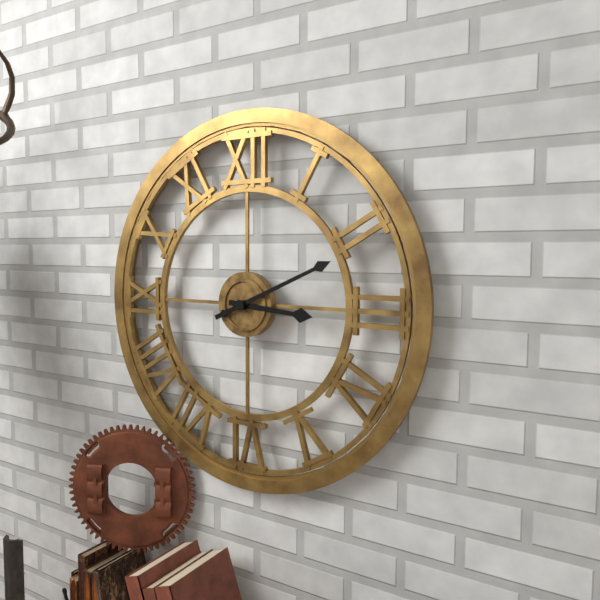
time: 3:11
